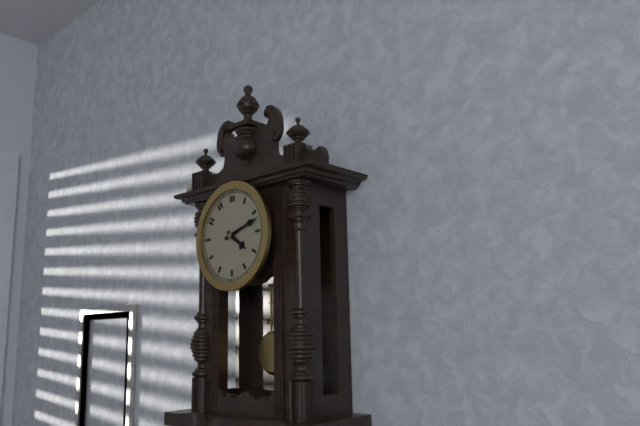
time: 4:12
